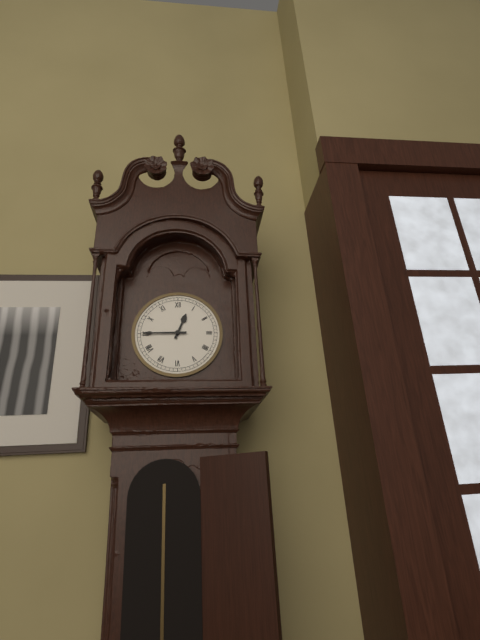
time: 12:45
